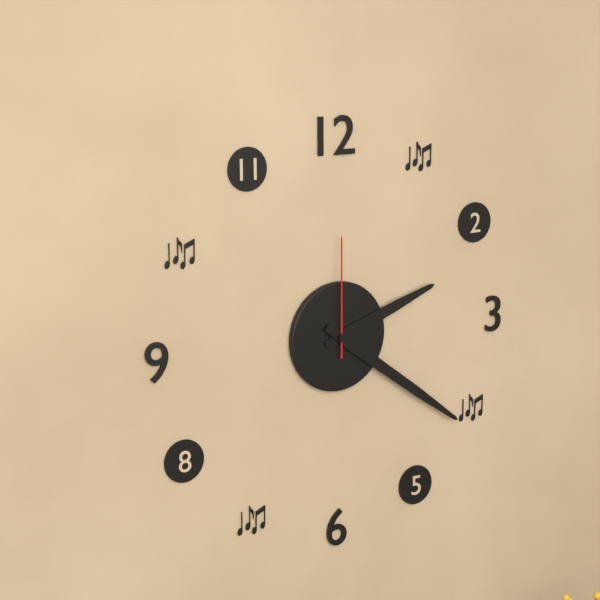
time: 2:21:00
